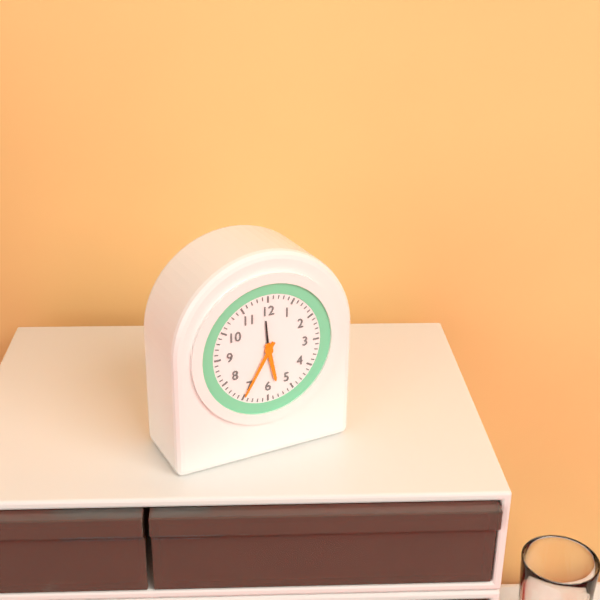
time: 5:35
